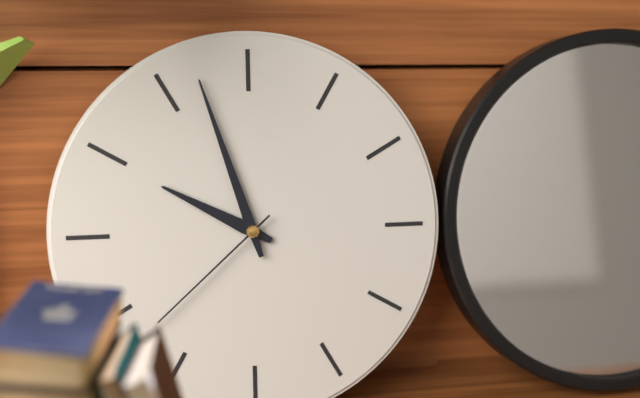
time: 9:57:38
